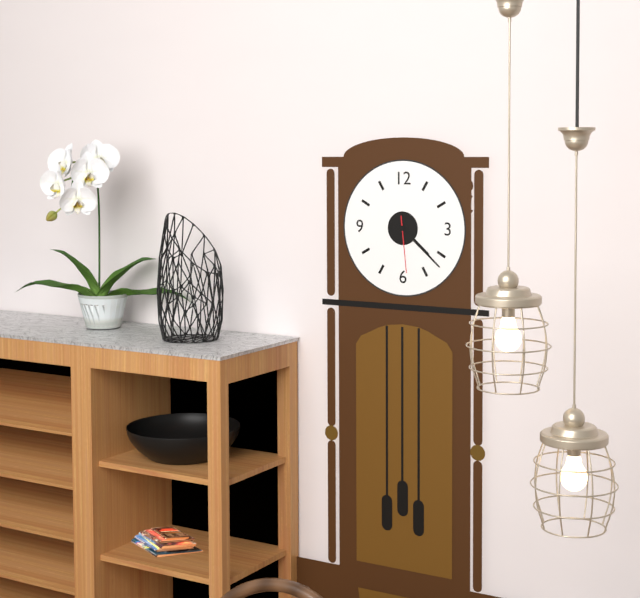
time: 4:22:29
